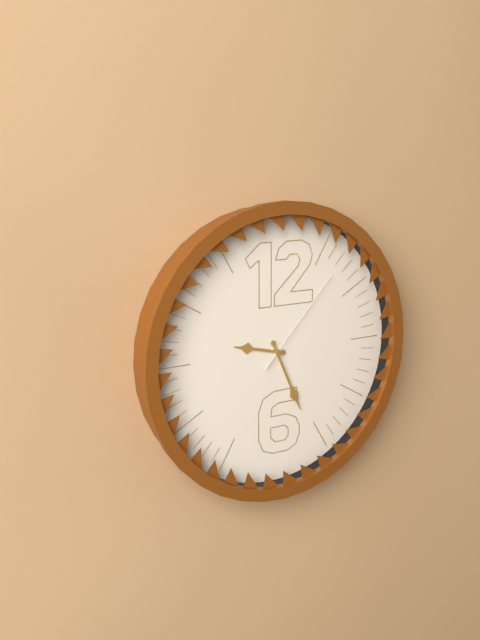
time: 9:26:07
